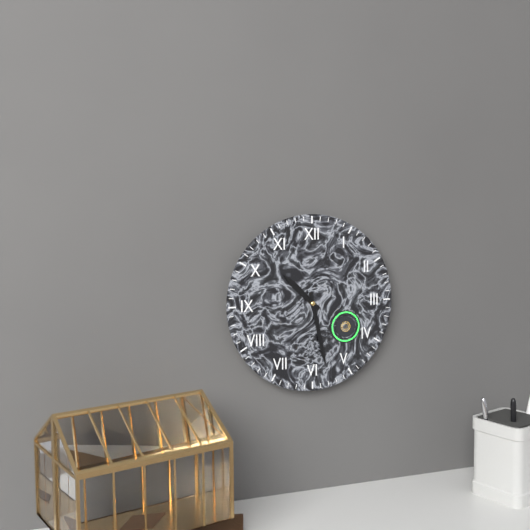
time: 10:28
